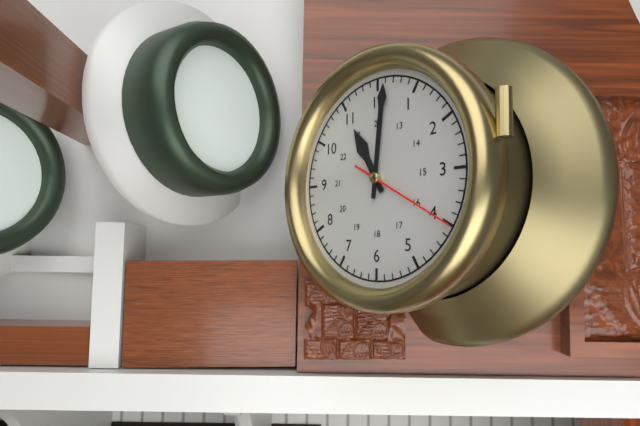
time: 11:01:20
